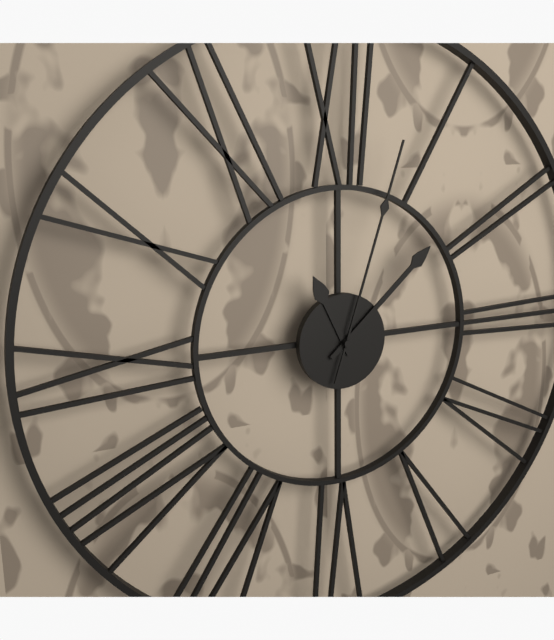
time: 11:08:03
